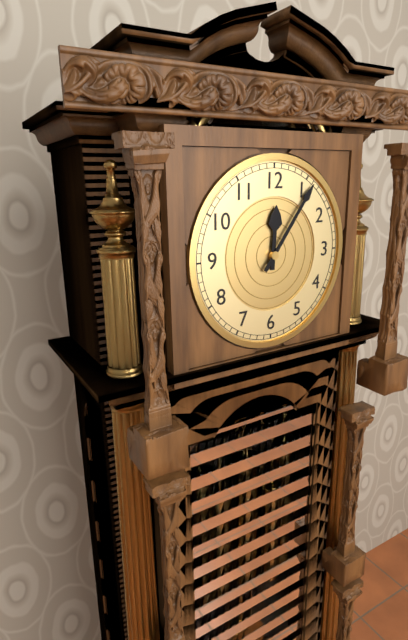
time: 12:06
